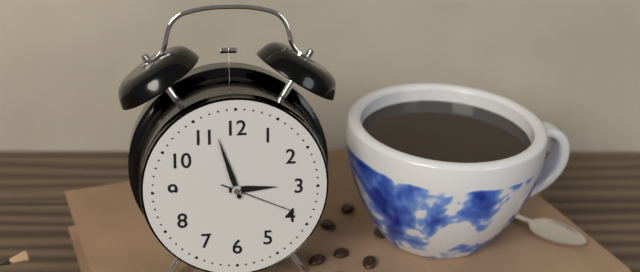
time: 2:57:19
